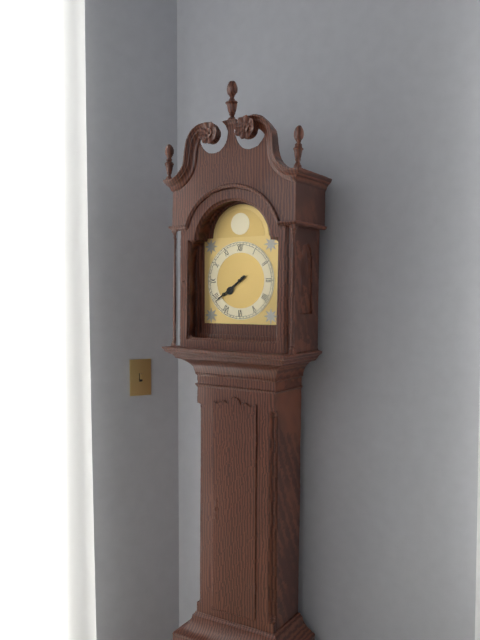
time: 7:39
